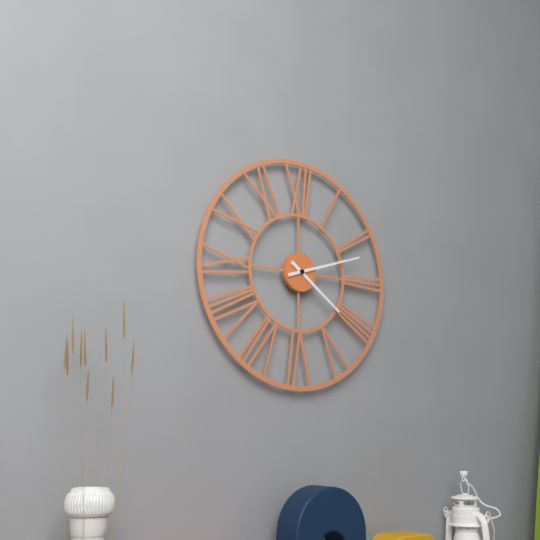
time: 4:12
